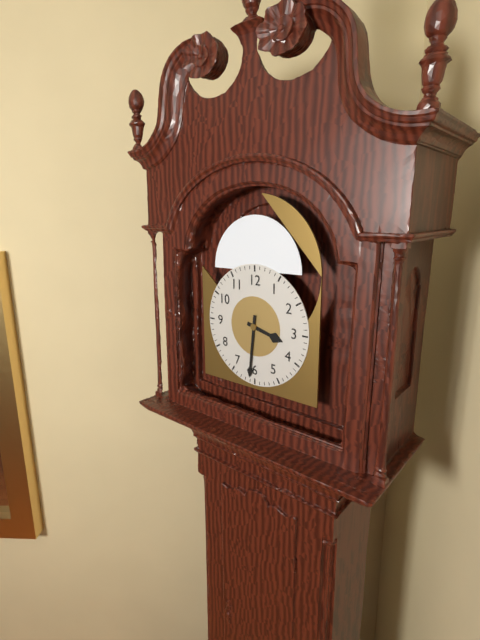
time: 3:31
